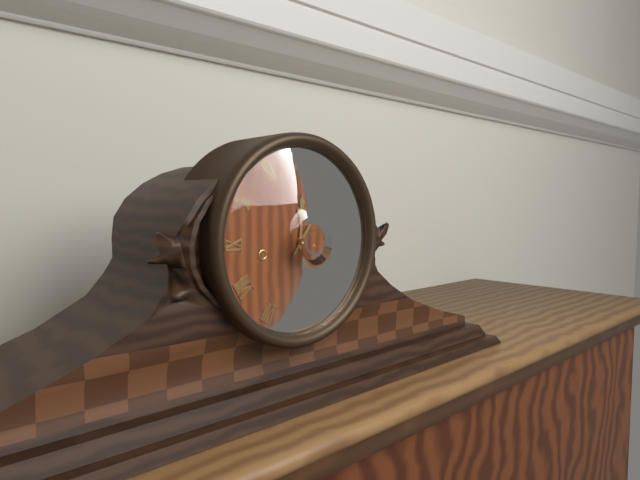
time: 12:06
